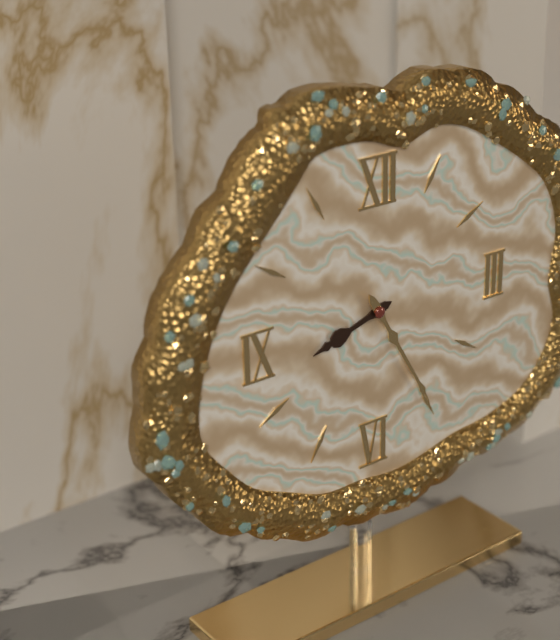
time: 8:25
